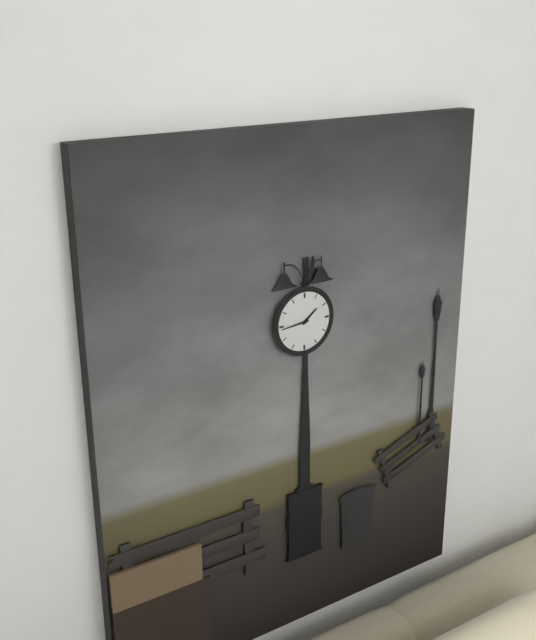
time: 1:44
